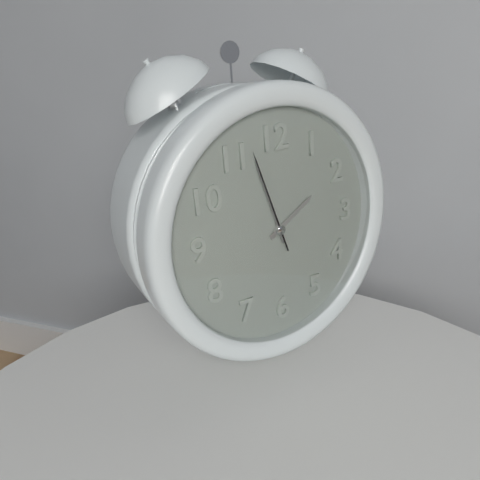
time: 1:57:57
